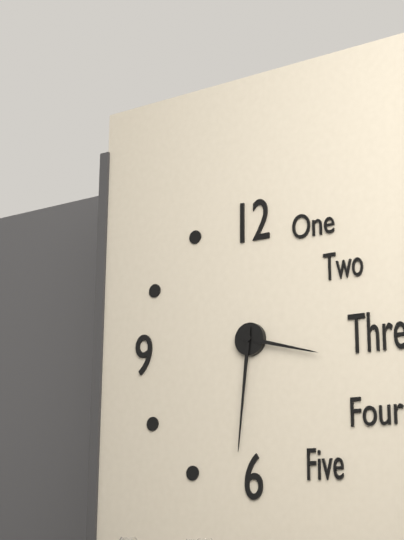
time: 3:31
